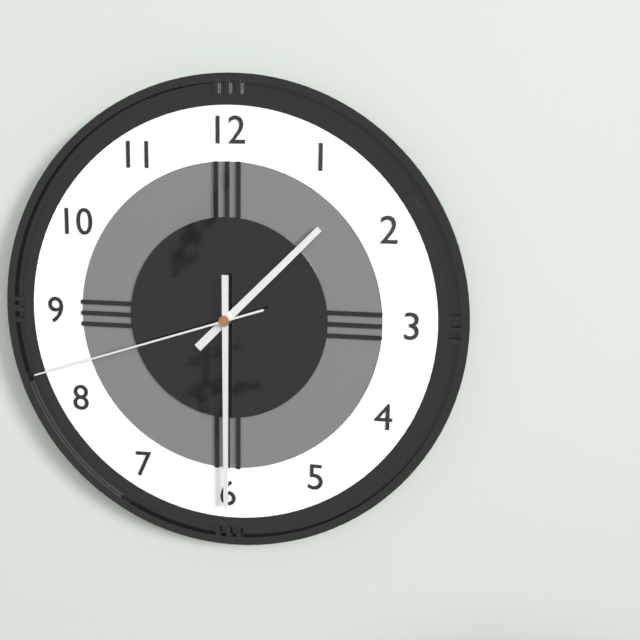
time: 1:30:42
